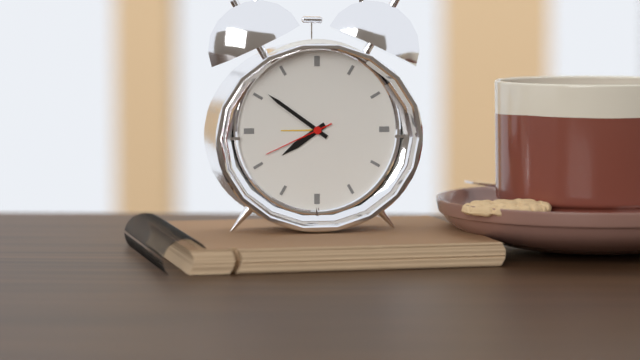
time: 7:51:41
